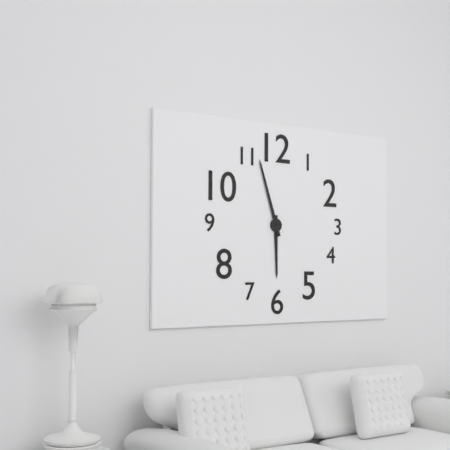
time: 5:57
